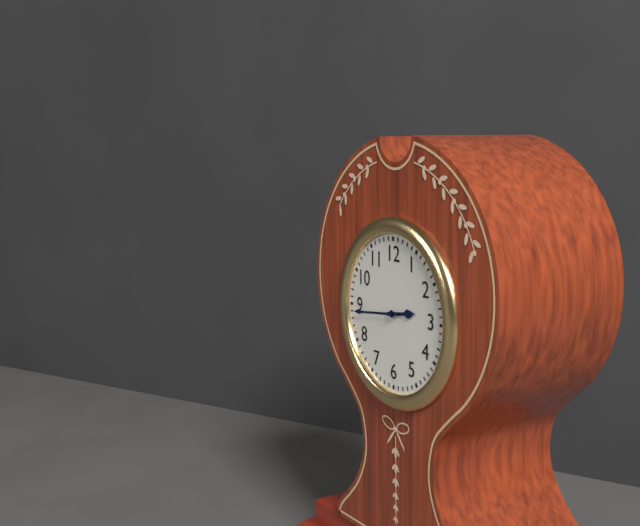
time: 2:44
